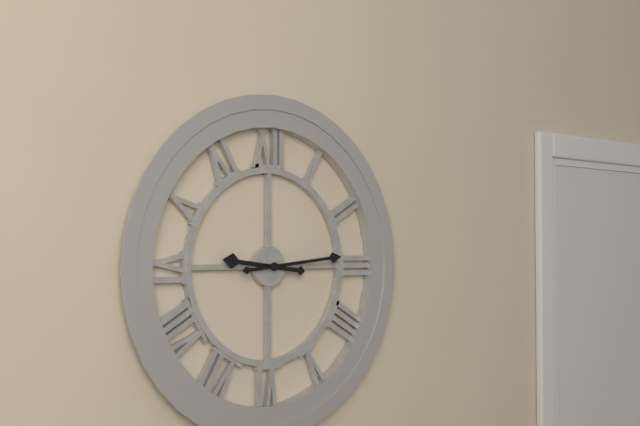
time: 9:14
